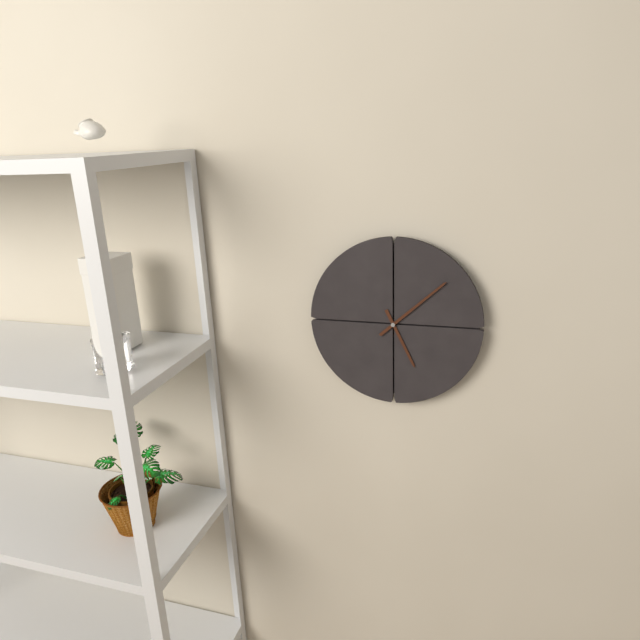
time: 5:08
